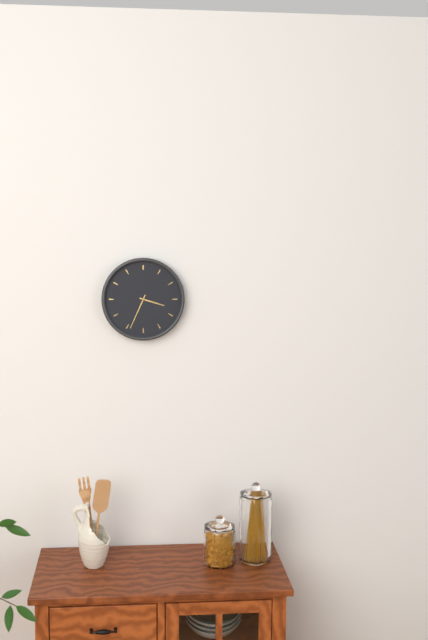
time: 3:34
